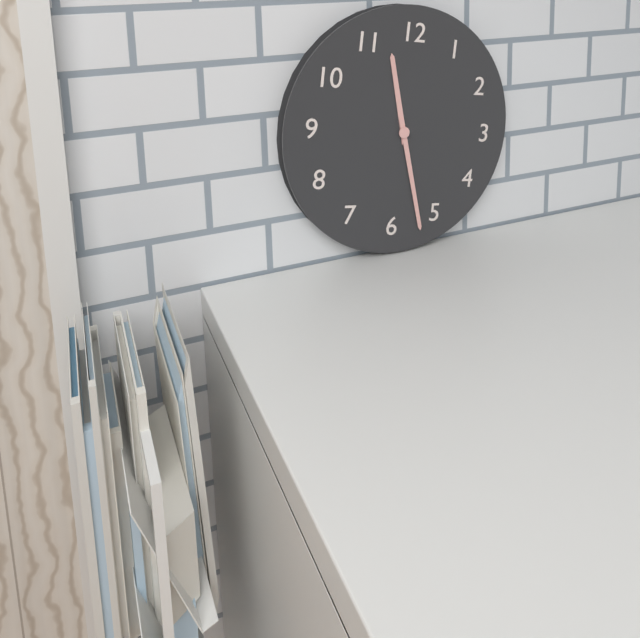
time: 11:27
